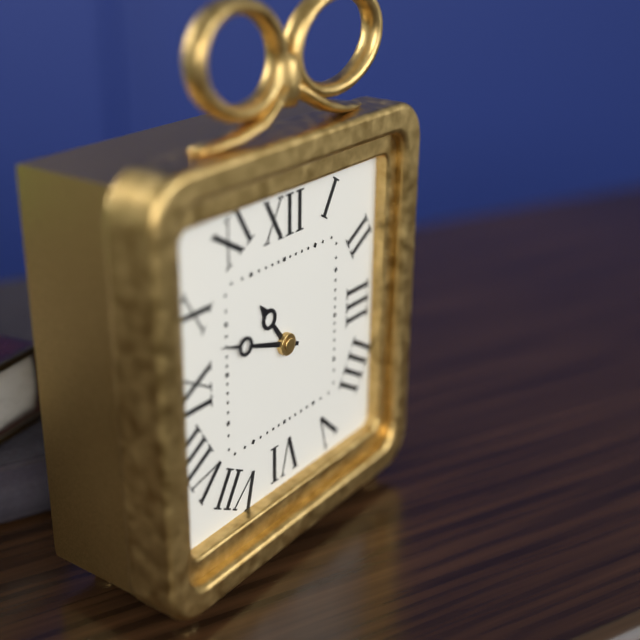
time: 10:48
